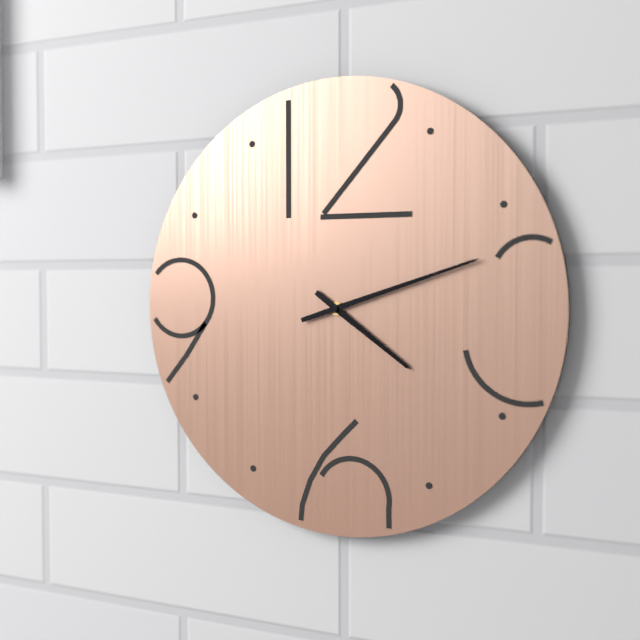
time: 4:12
